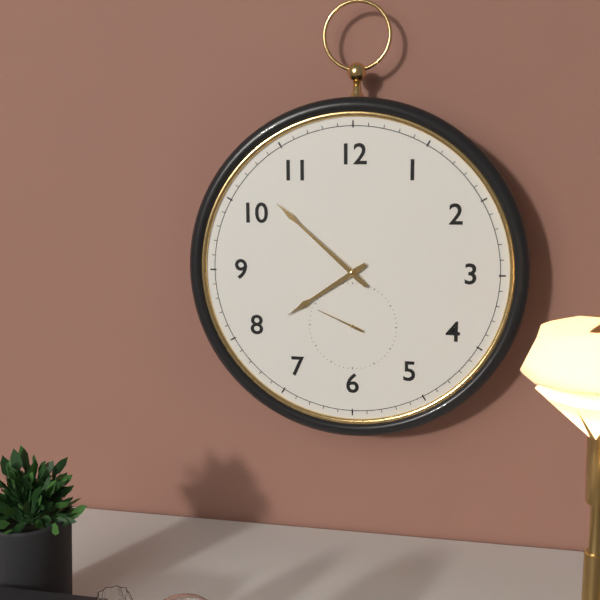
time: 7:52
